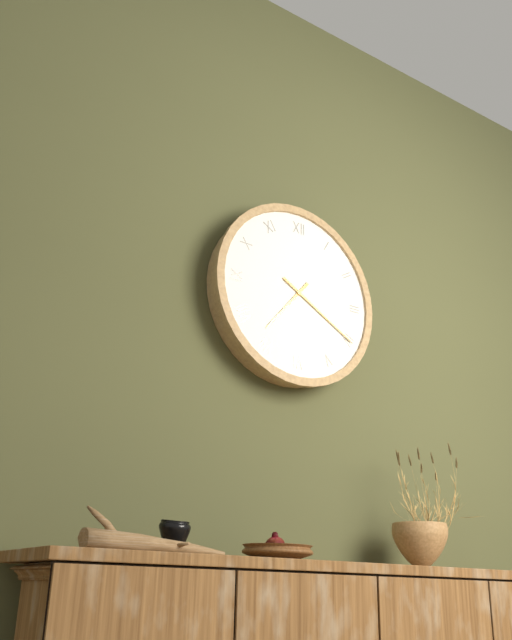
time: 7:20
